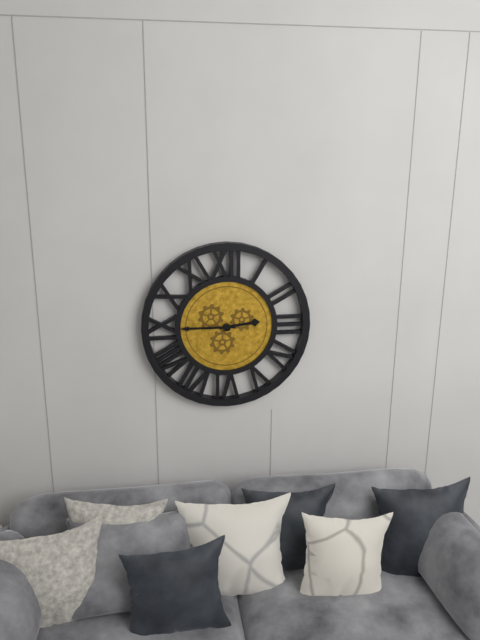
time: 2:45
